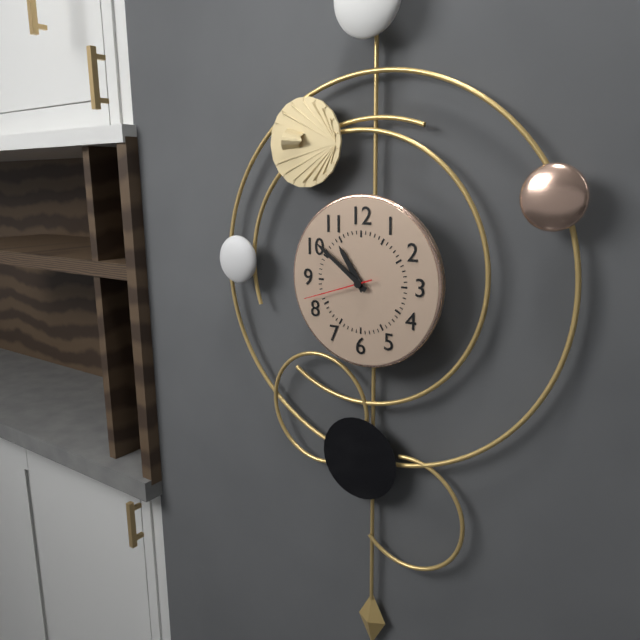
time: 10:51:42
